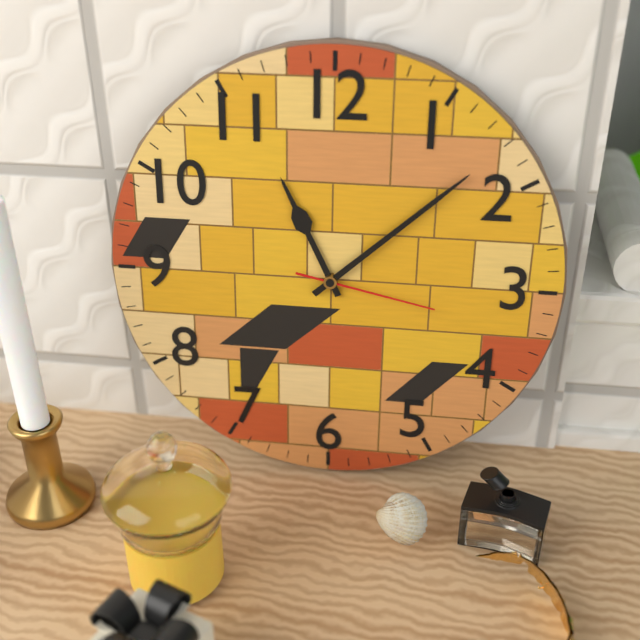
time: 11:08:17
